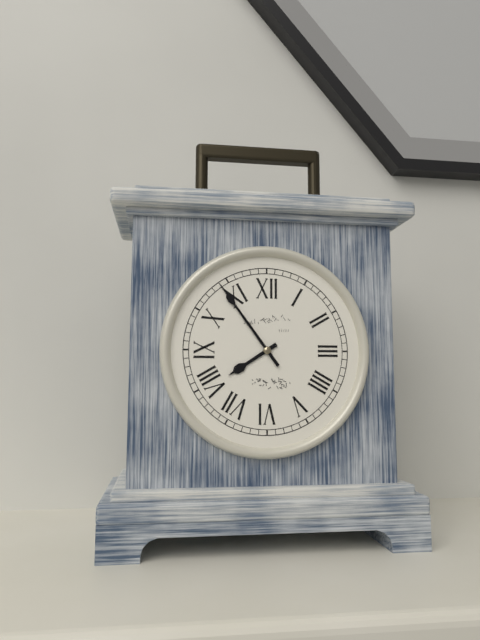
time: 7:54
